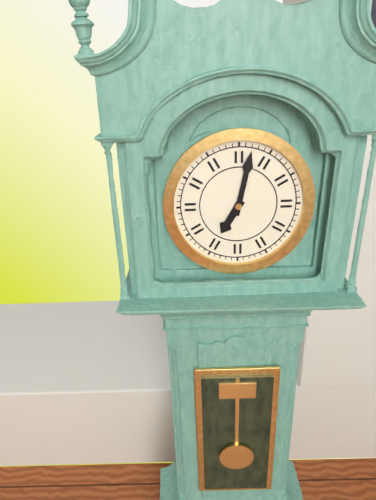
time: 7:02
